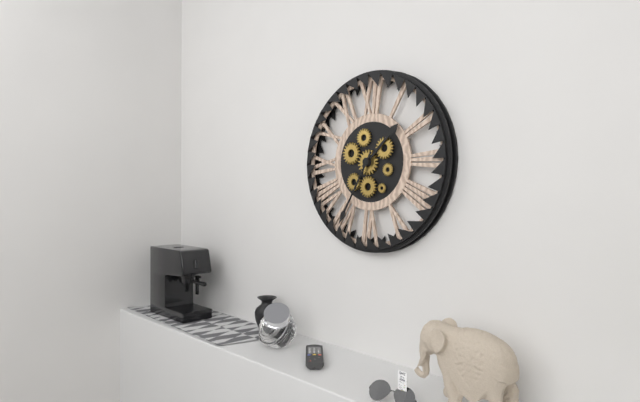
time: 1:35
